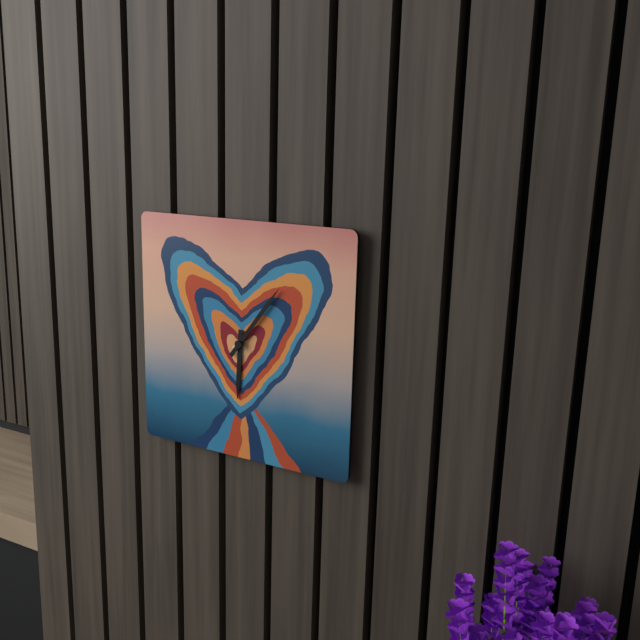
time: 6:06
